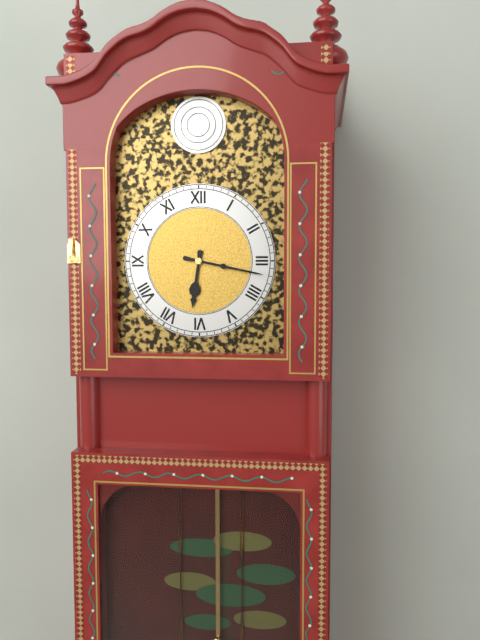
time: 6:17
